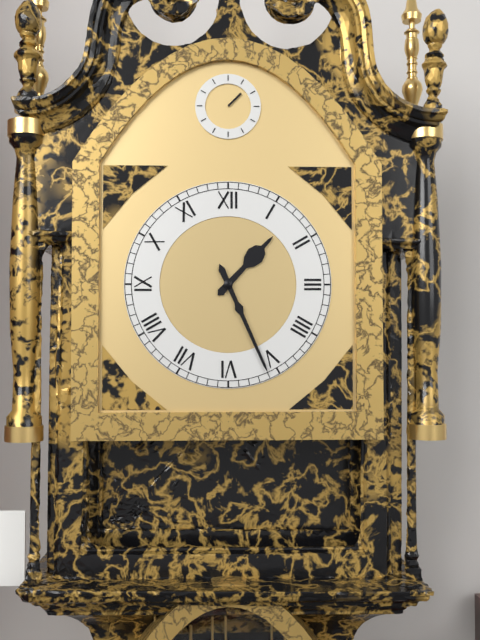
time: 1:26
